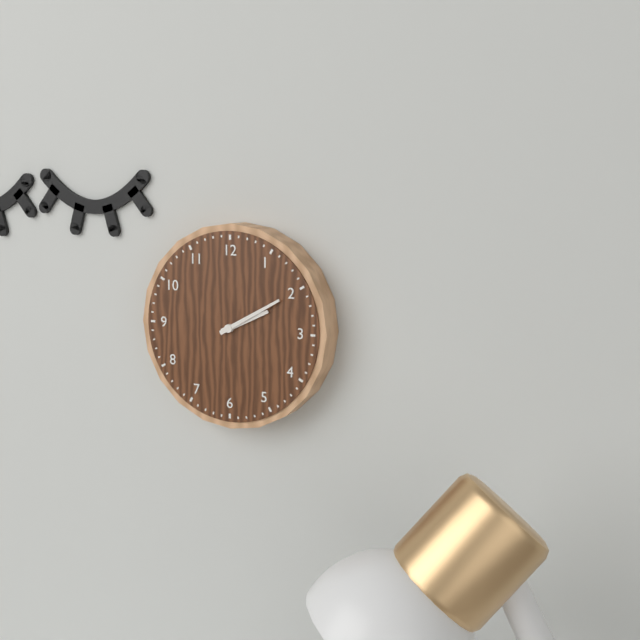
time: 2:10
